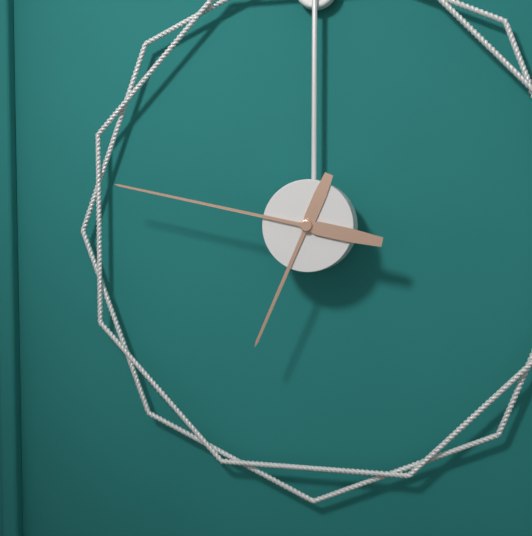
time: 6:47
